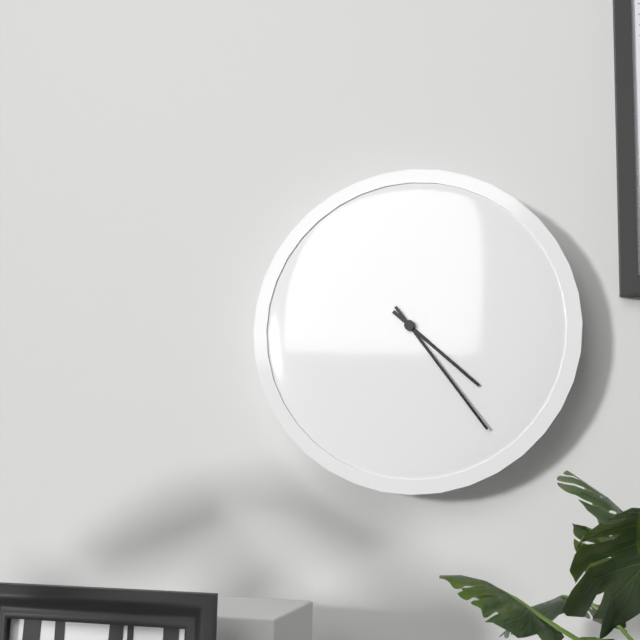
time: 4:24
